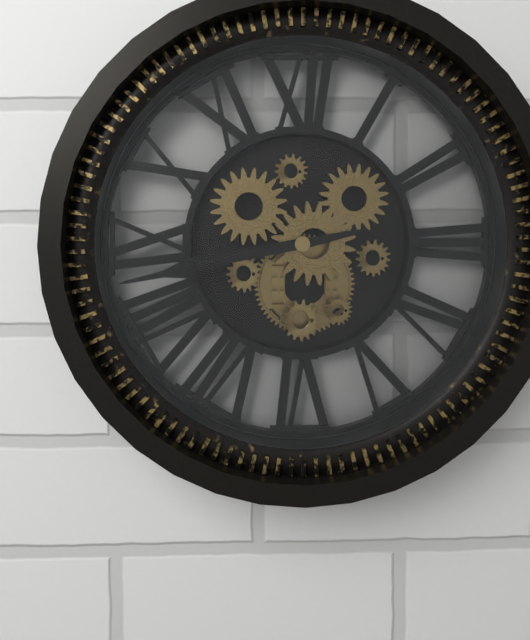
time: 8:43
